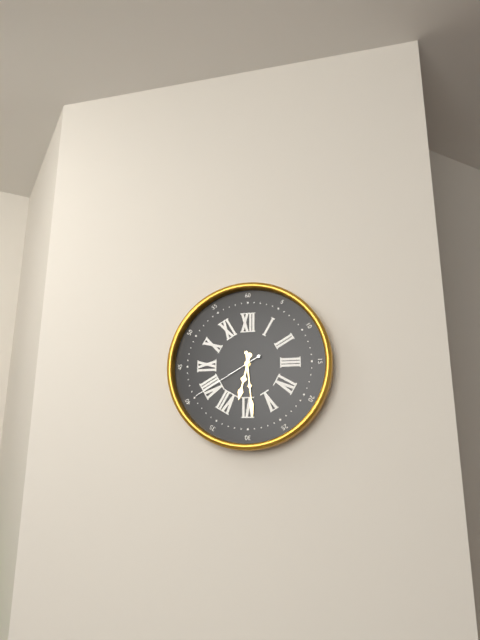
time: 6:29:40
